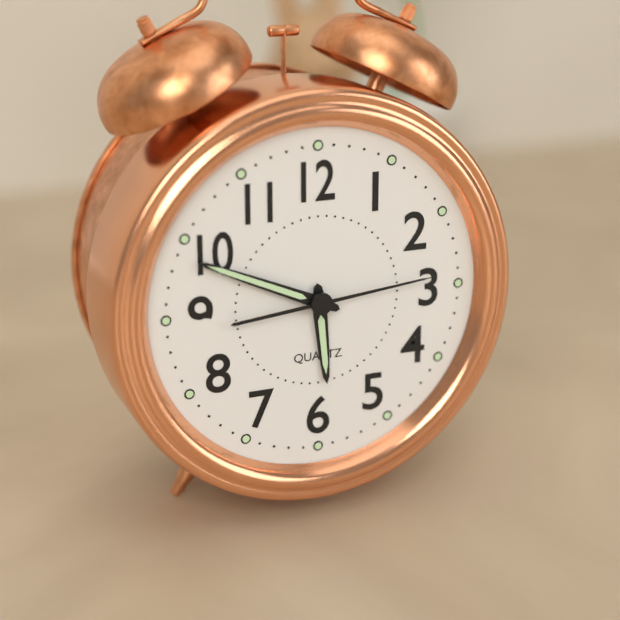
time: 5:49:14
